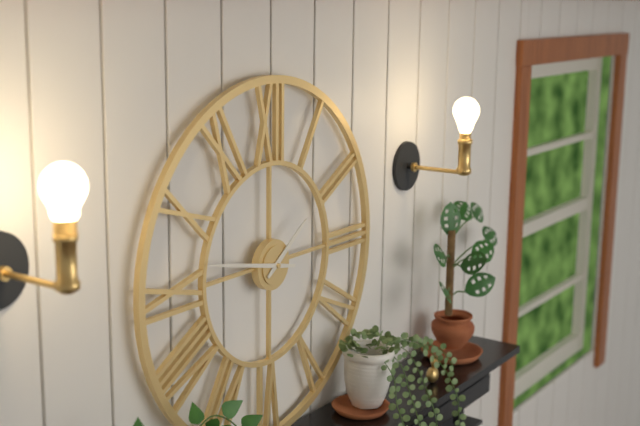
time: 1:47
